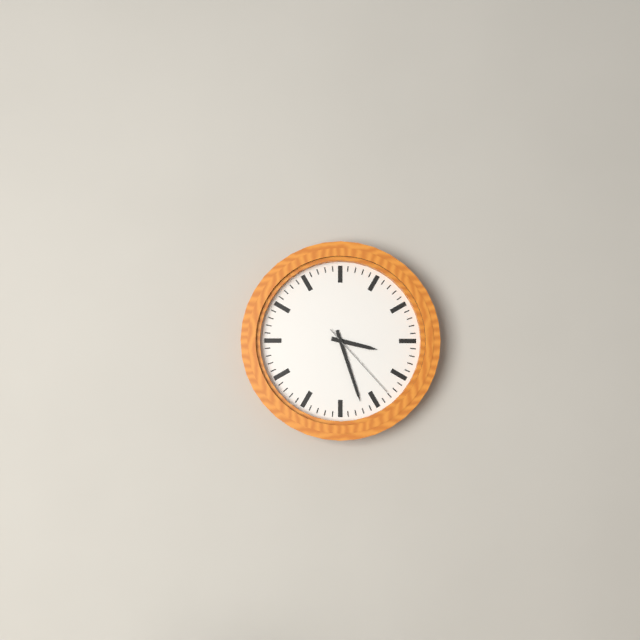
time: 3:27:23
